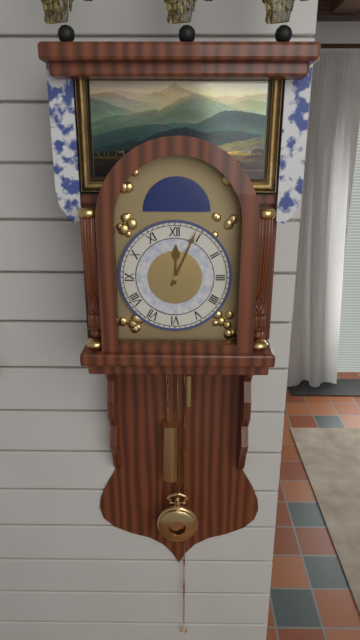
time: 12:04
